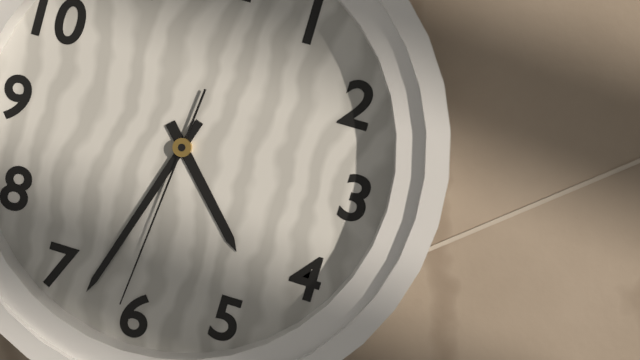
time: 4:33:31
